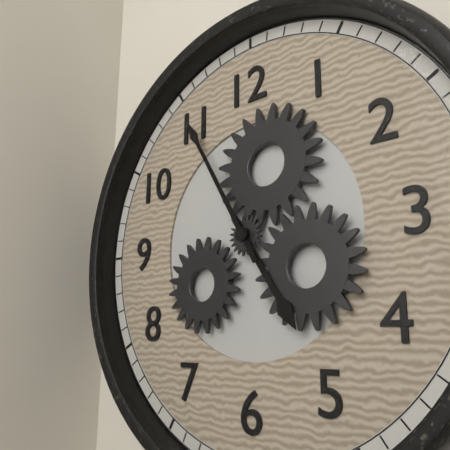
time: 4:55
